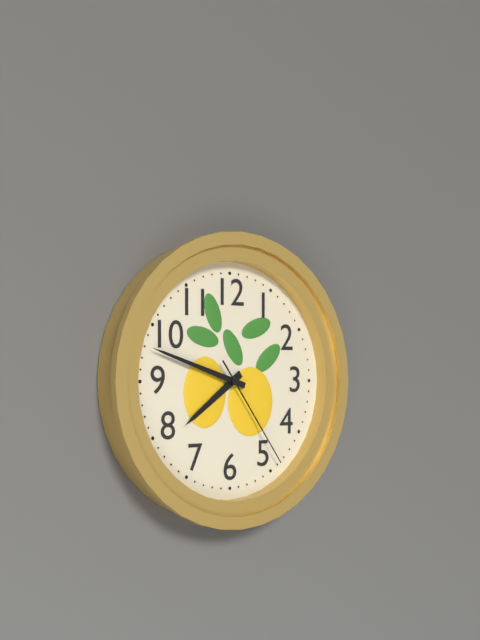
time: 7:48:24
